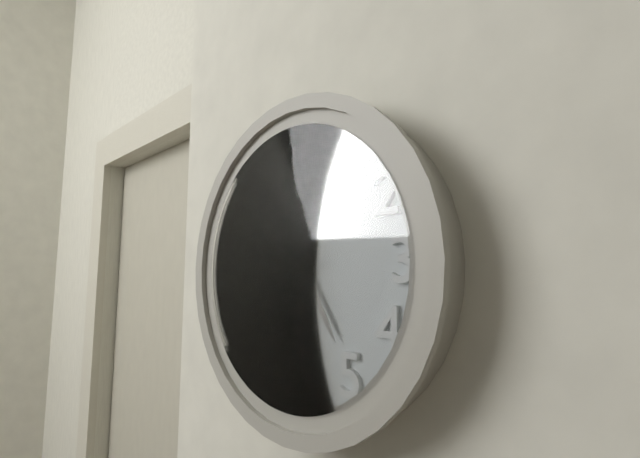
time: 4:56:42
